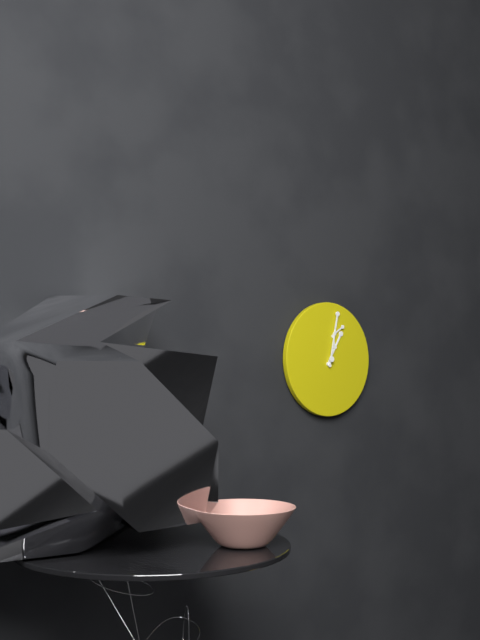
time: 1:02
